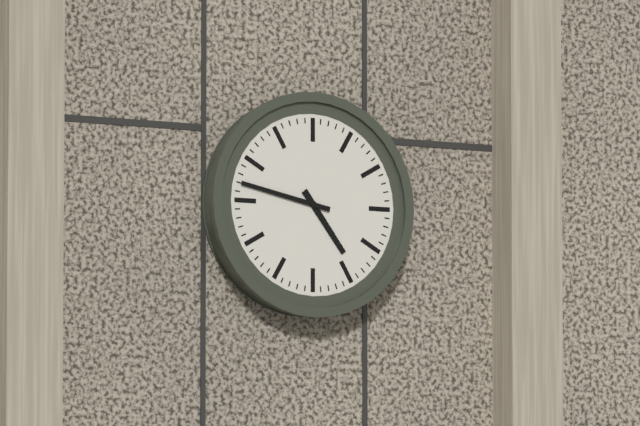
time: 4:47
